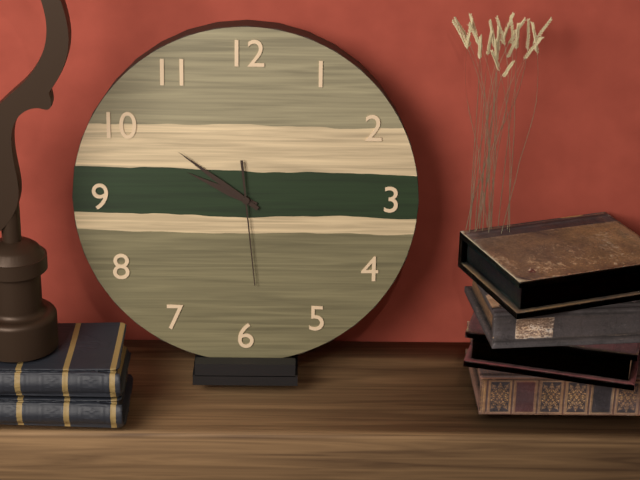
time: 9:51:29
